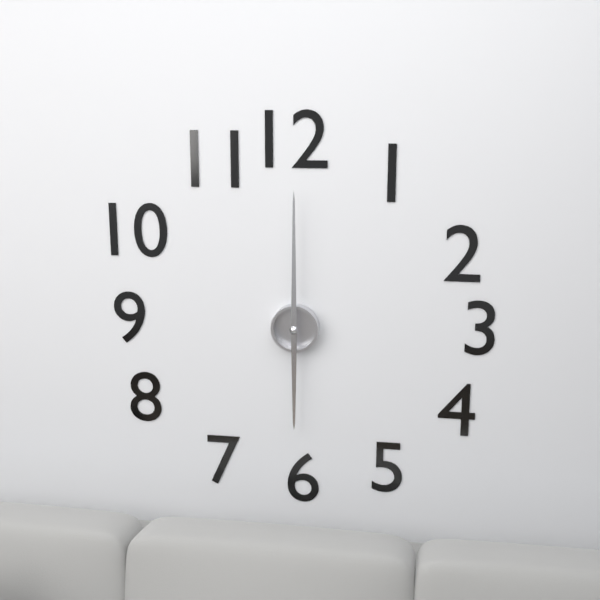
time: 6:00
